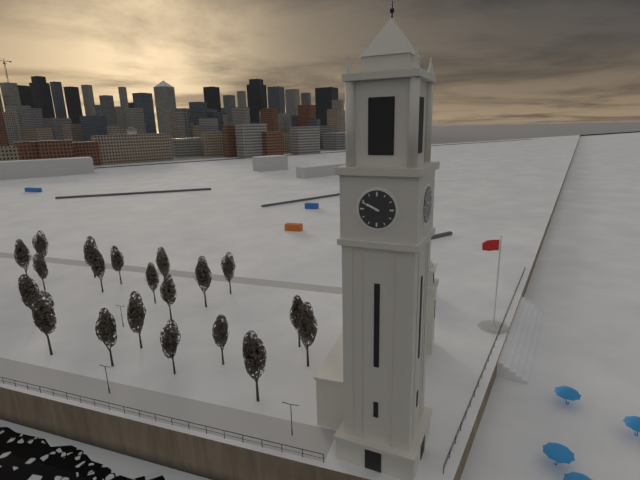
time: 9:49
